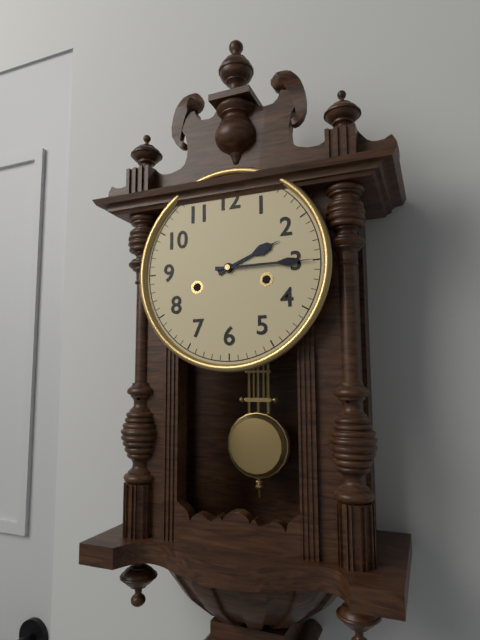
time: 2:15
